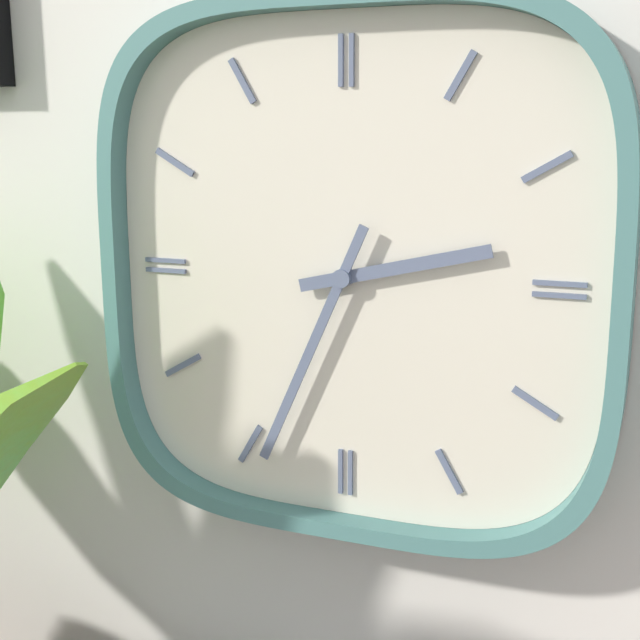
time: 2:34
